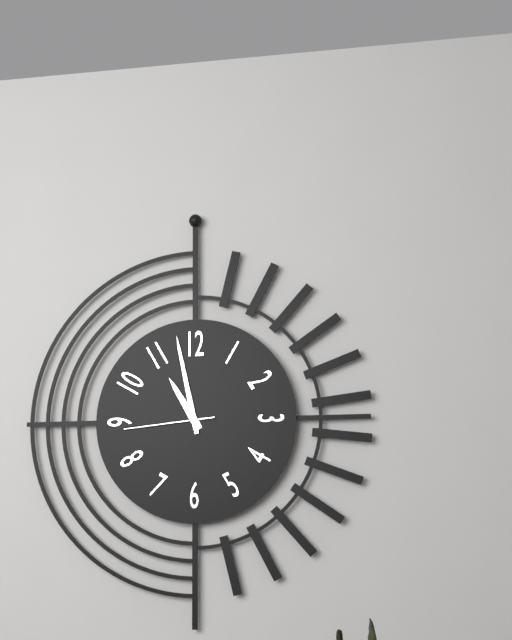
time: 10:58:44
